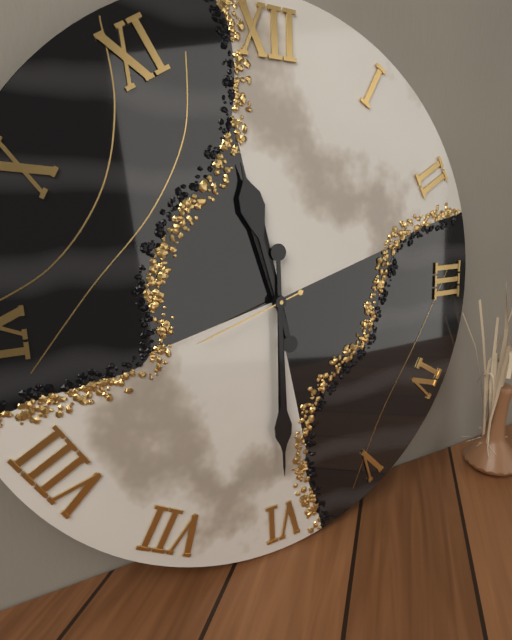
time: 11:30:42
